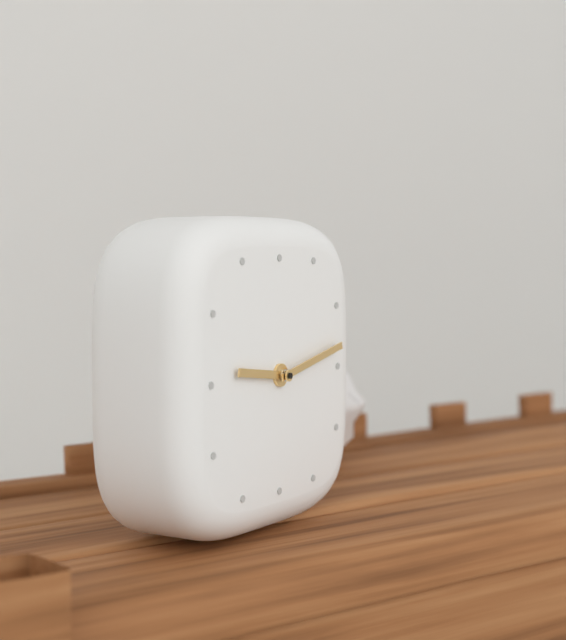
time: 9:13
